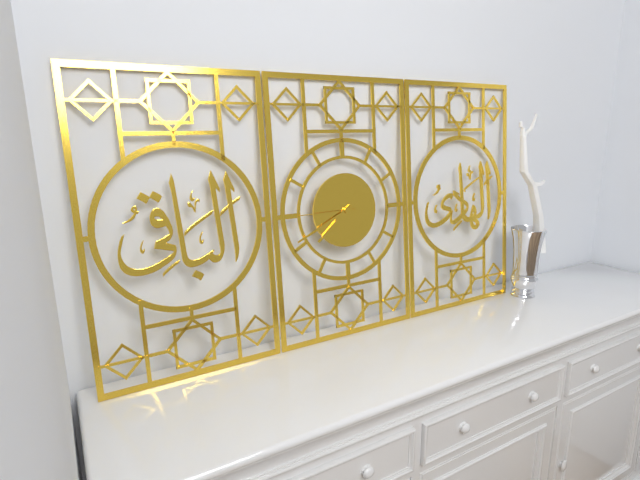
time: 7:41:45
